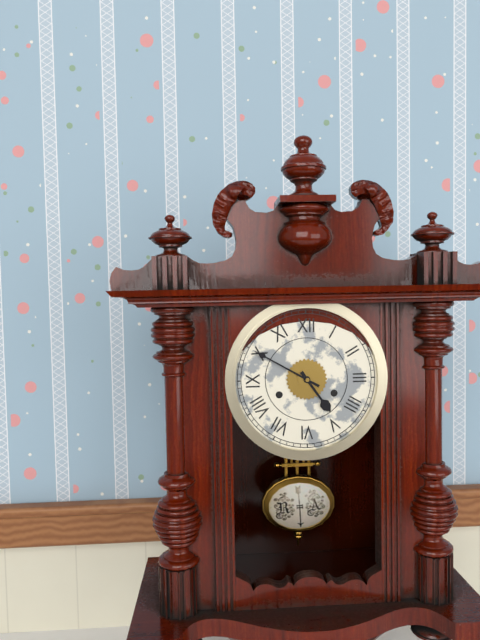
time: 4:50
